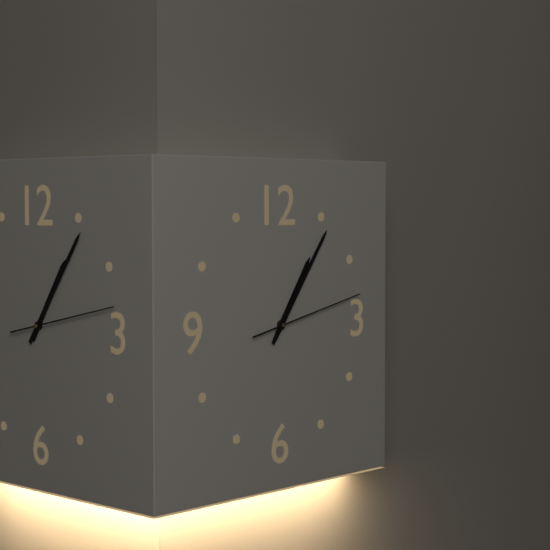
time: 1:06:13
